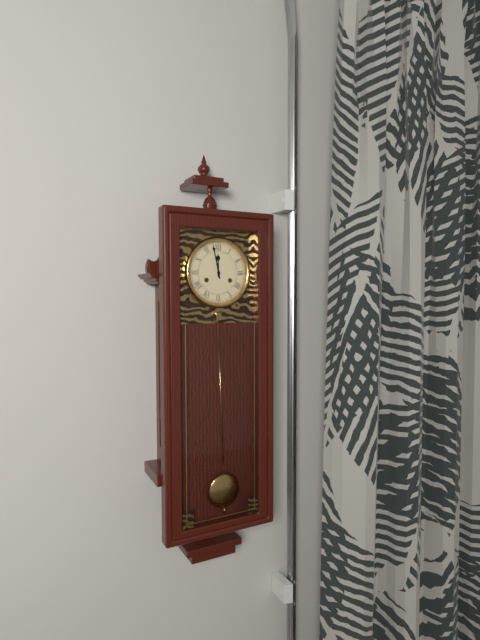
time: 11:58
